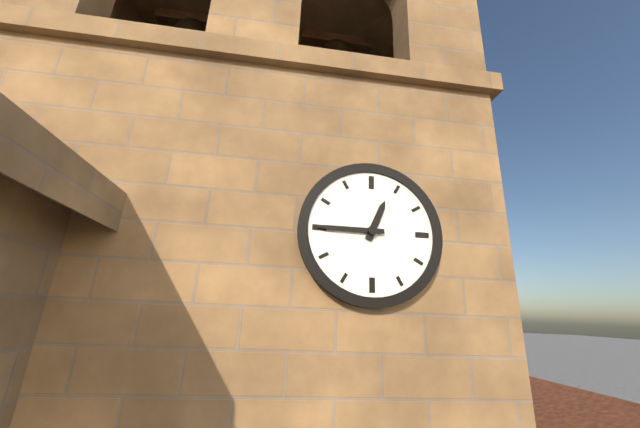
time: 12:45
